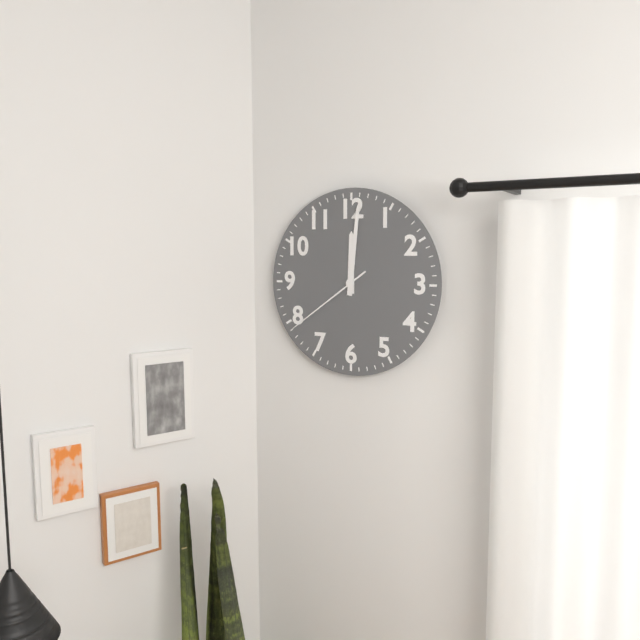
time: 12:01:39
